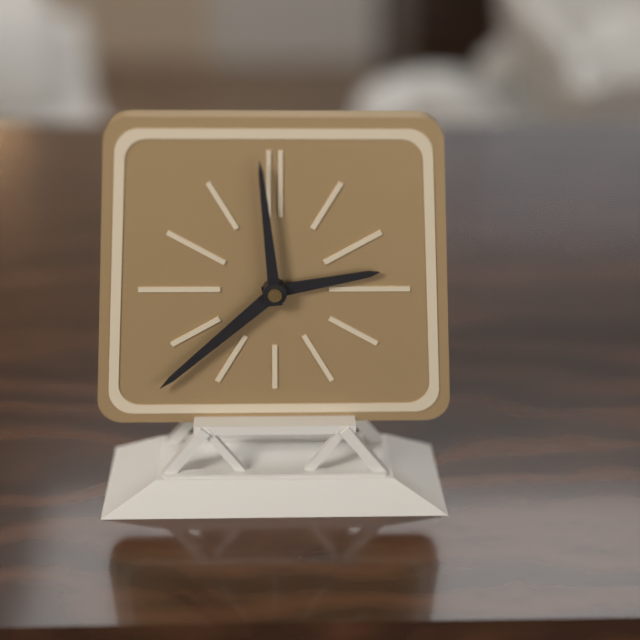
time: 2:38:59
